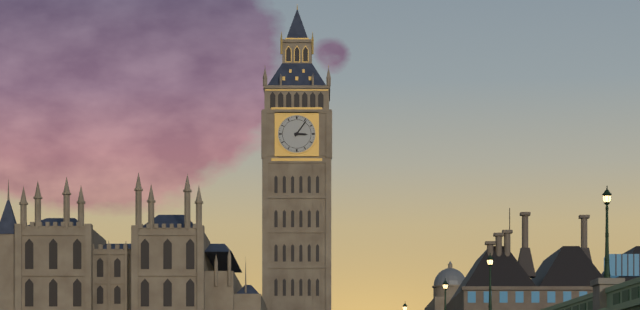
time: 3:06
